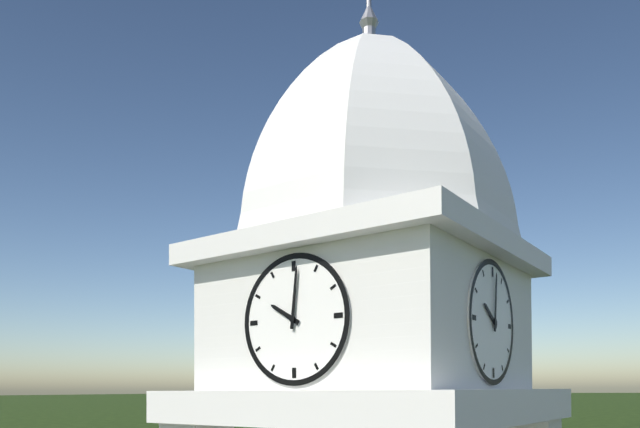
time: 10:01
